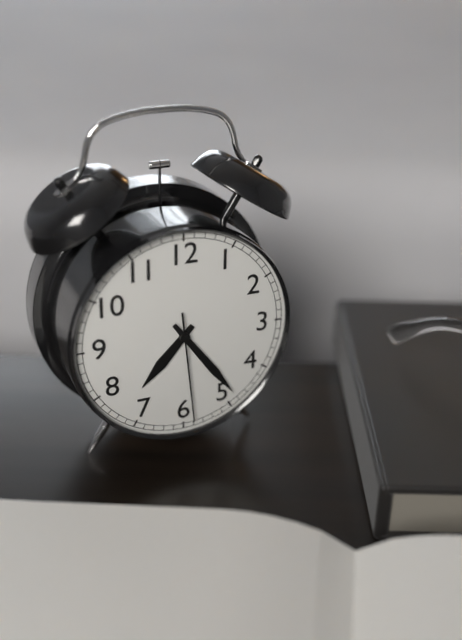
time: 7:24:29
